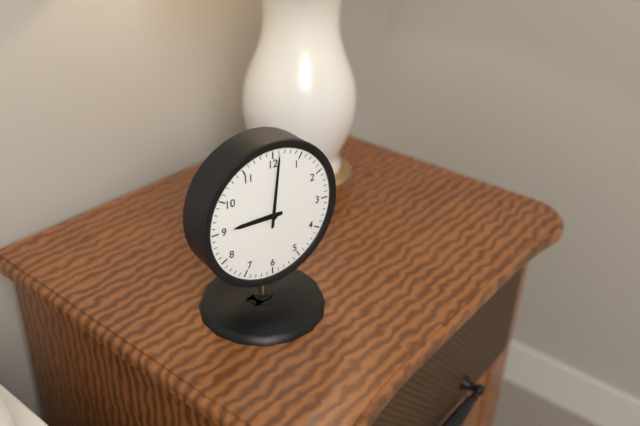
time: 9:01
